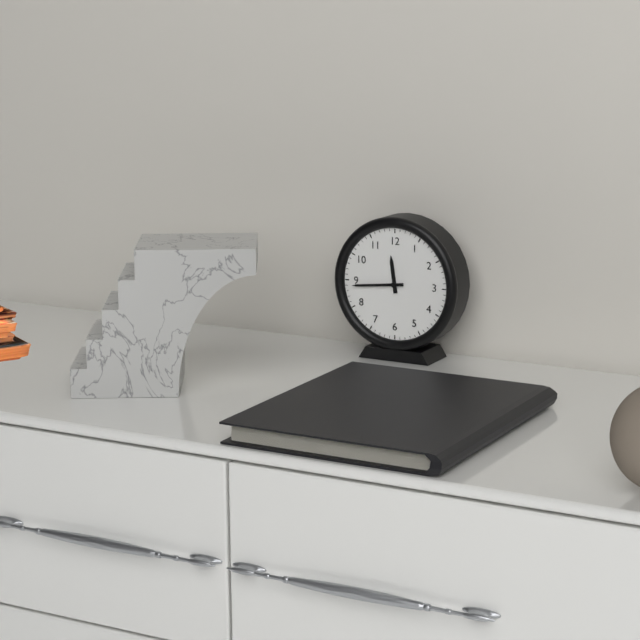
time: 11:44
